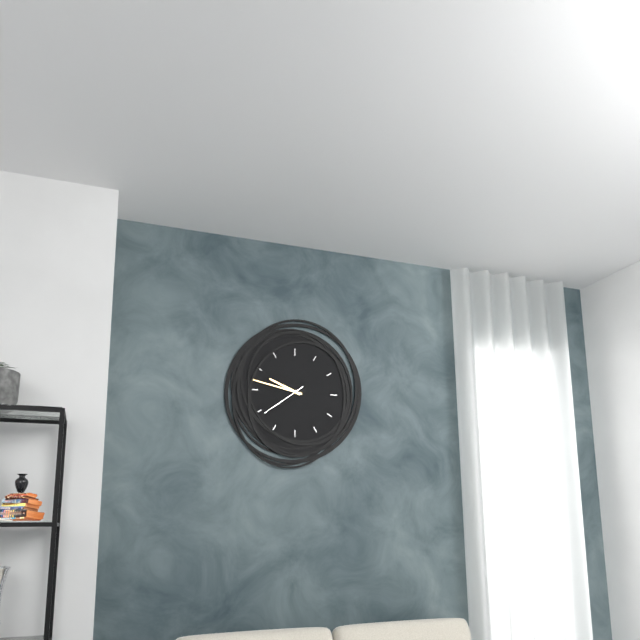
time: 9:47
